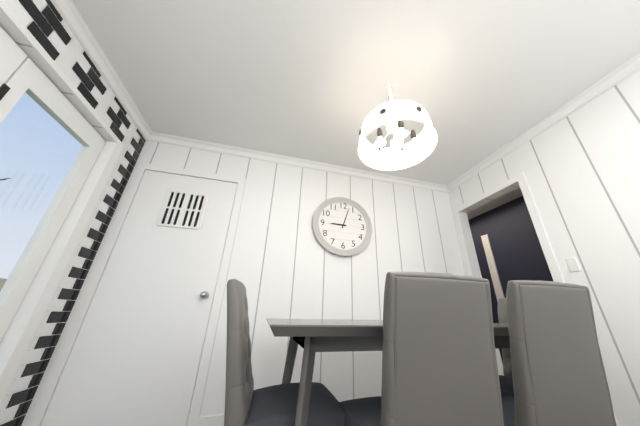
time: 9:03
